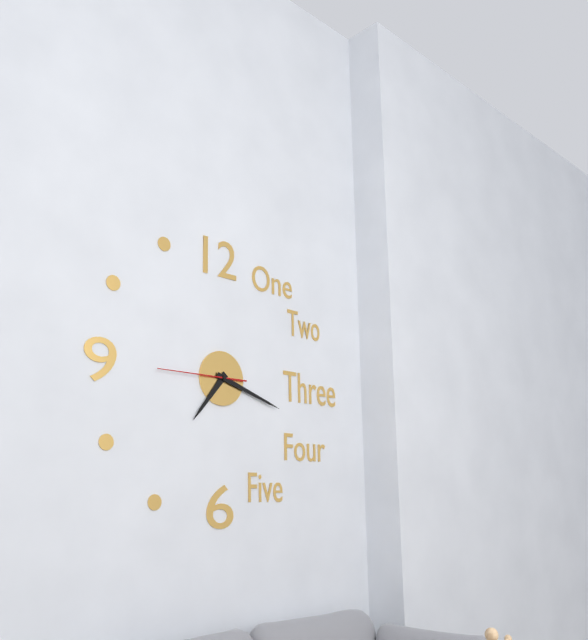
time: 7:18:45
